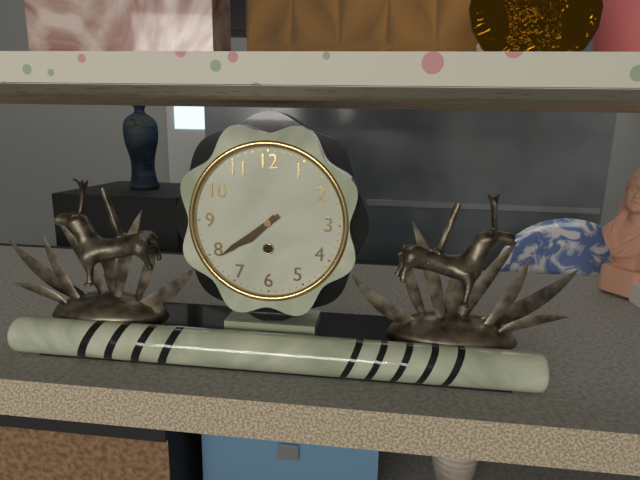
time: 7:39
